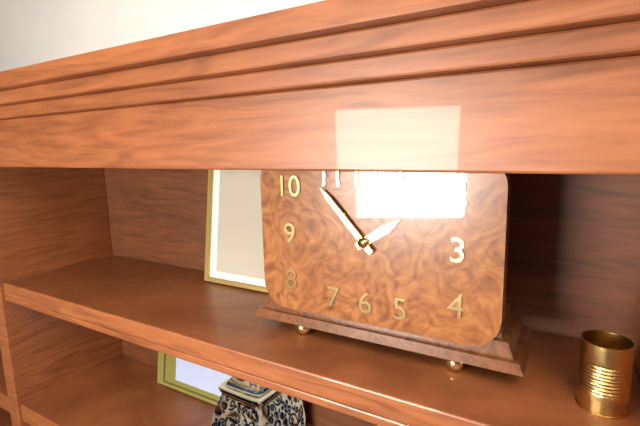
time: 1:53
